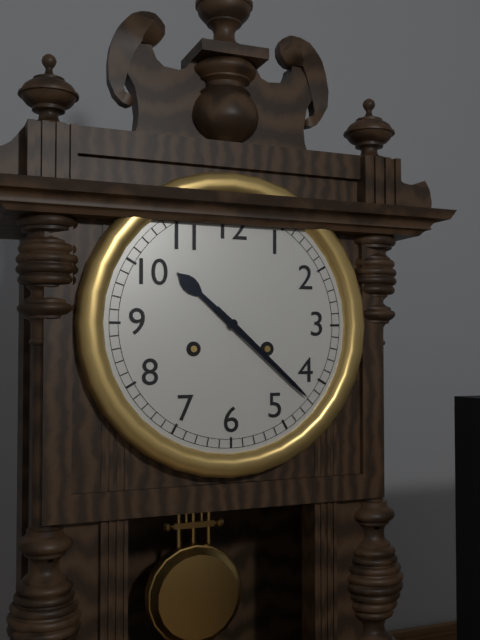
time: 10:22
